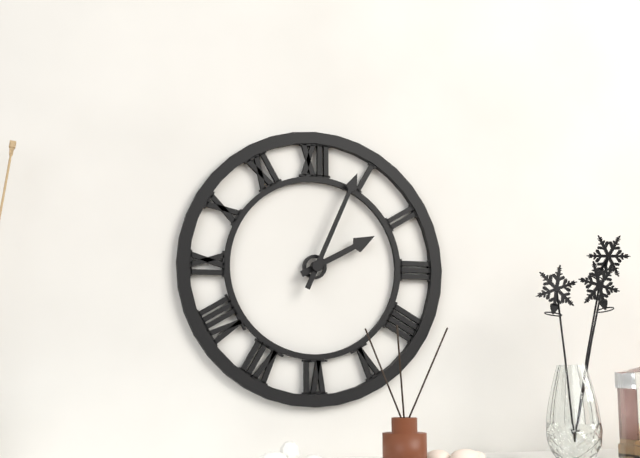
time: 2:04
